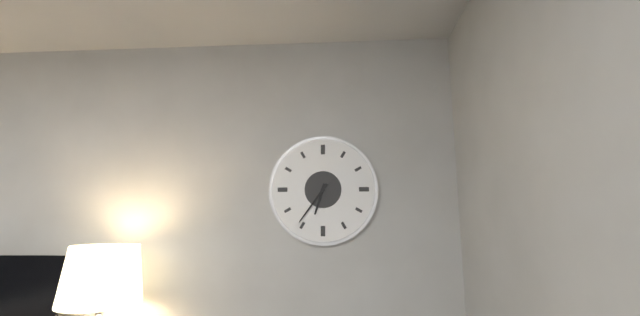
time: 6:36
